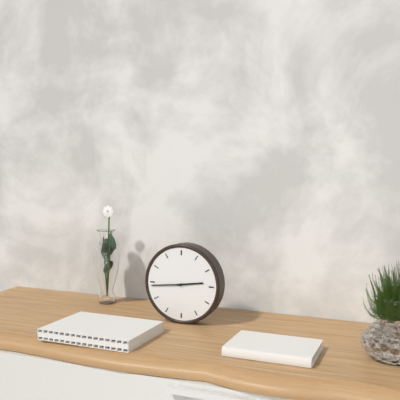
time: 2:44
